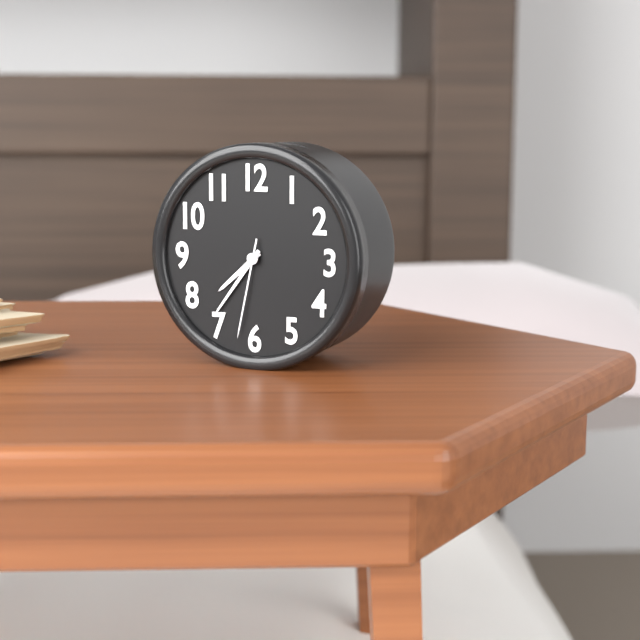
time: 7:36:32
